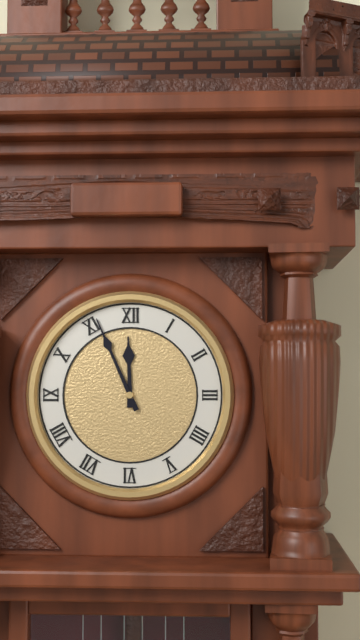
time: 11:56
